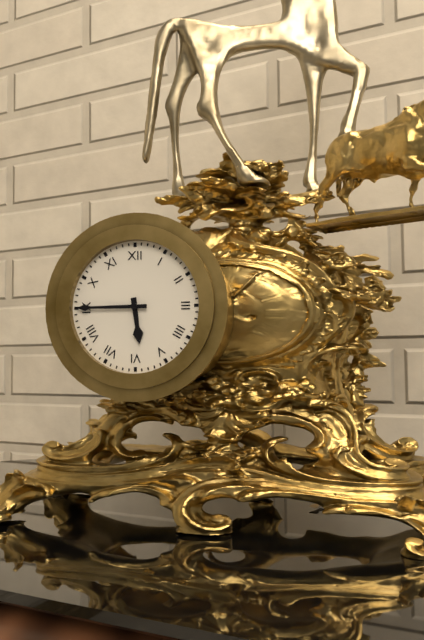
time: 5:45
